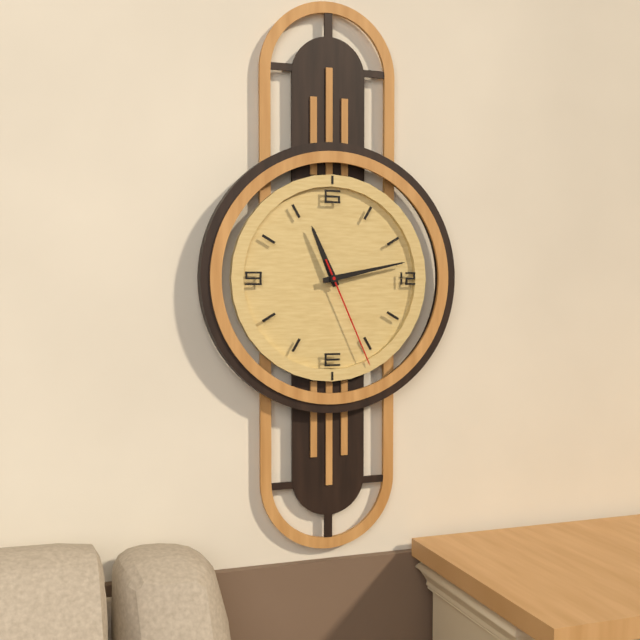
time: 11:13:26
